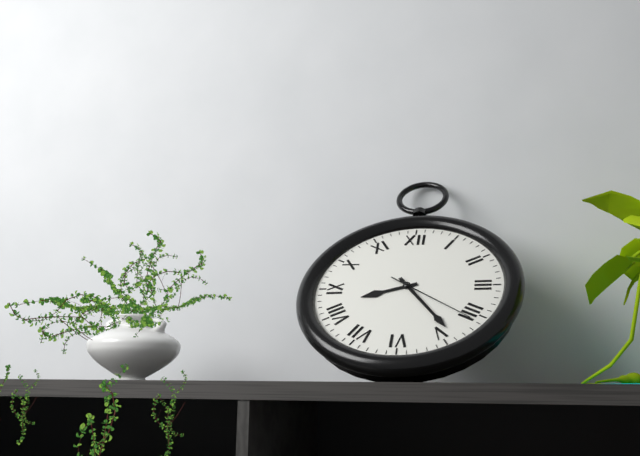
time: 8:24:21
